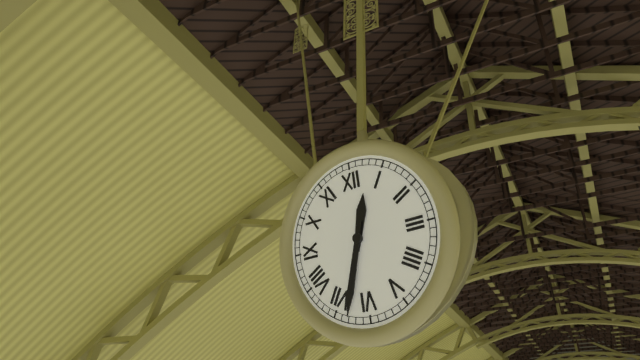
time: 12:33
